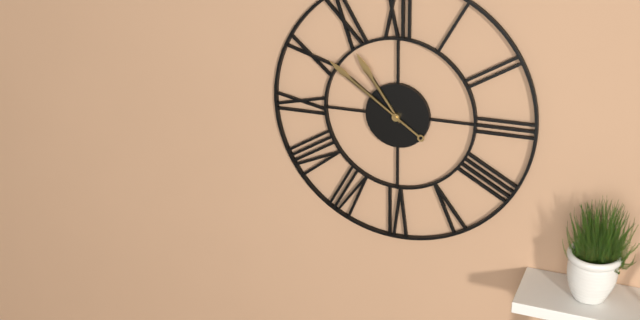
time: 10:51
